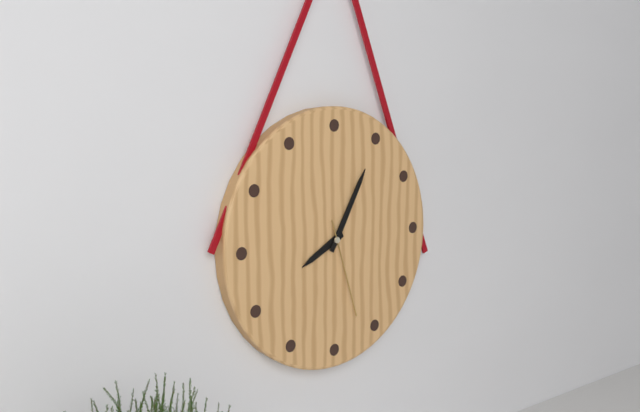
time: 8:05:27
